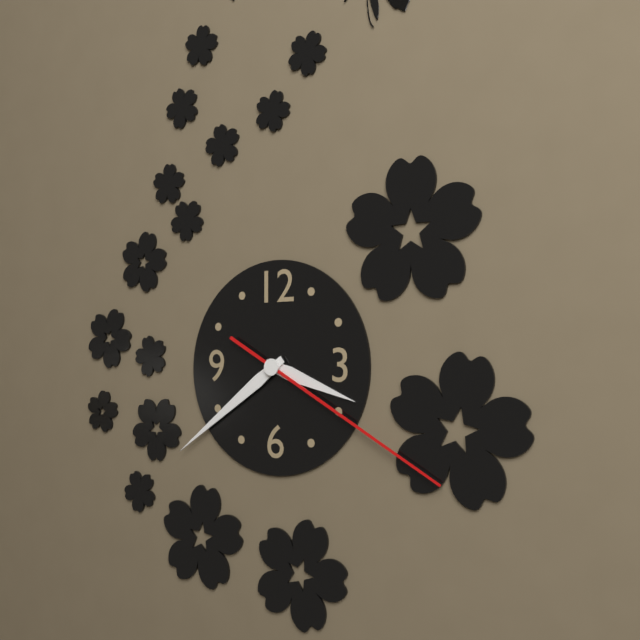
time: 3:39:20
